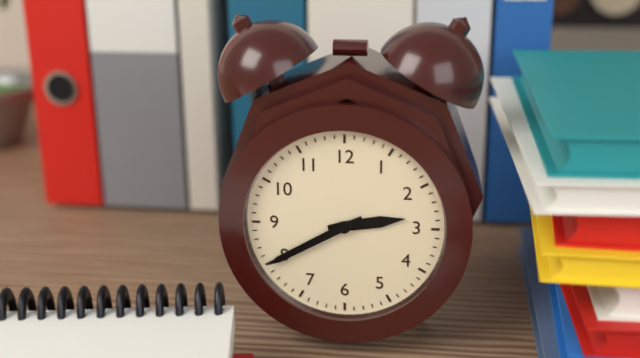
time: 2:40
